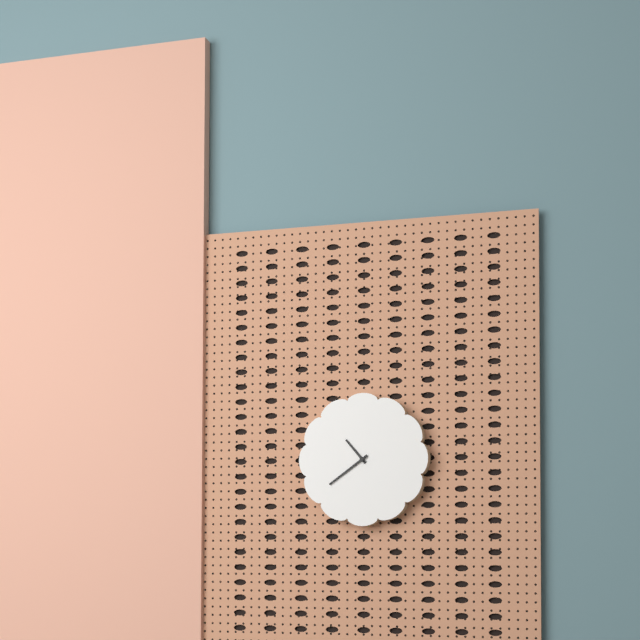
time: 10:39
